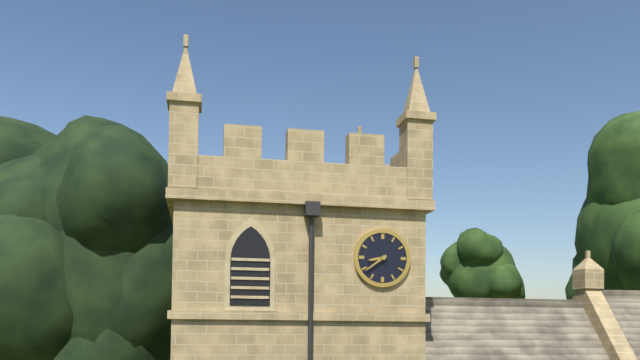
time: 8:39
